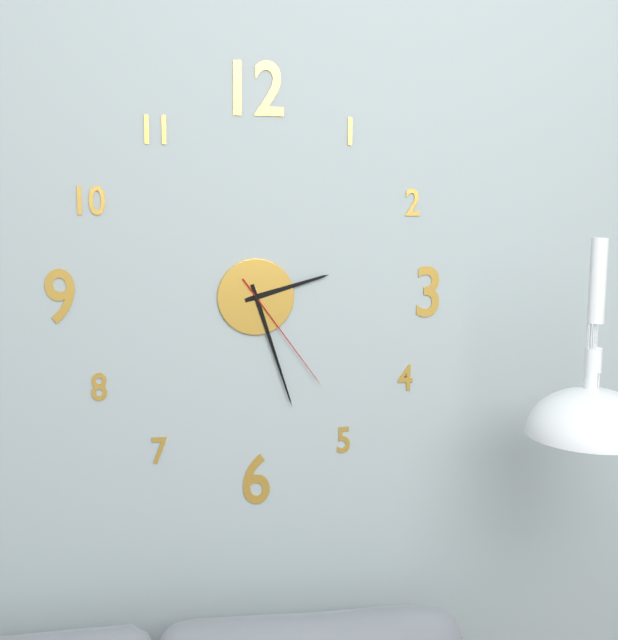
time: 2:27:24
